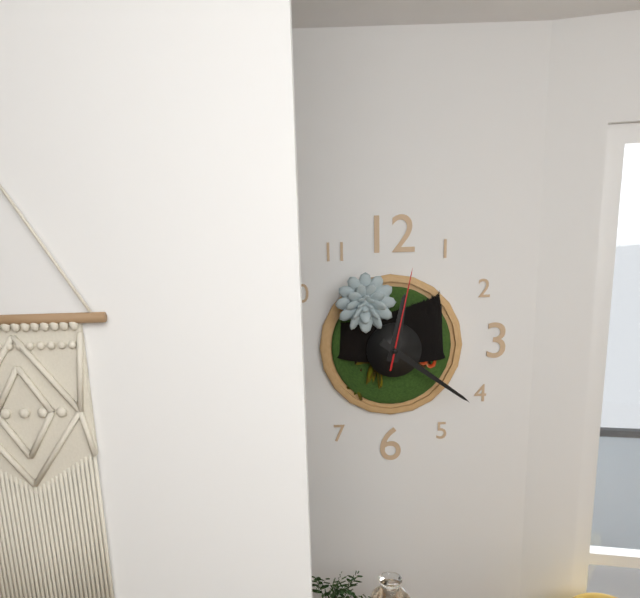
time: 12:21:02
